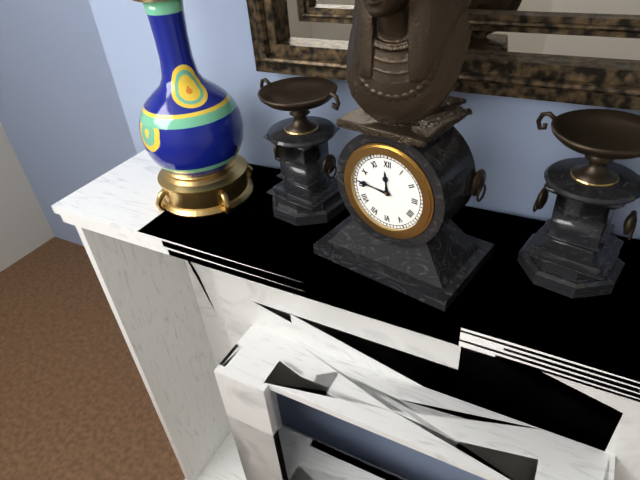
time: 11:46
